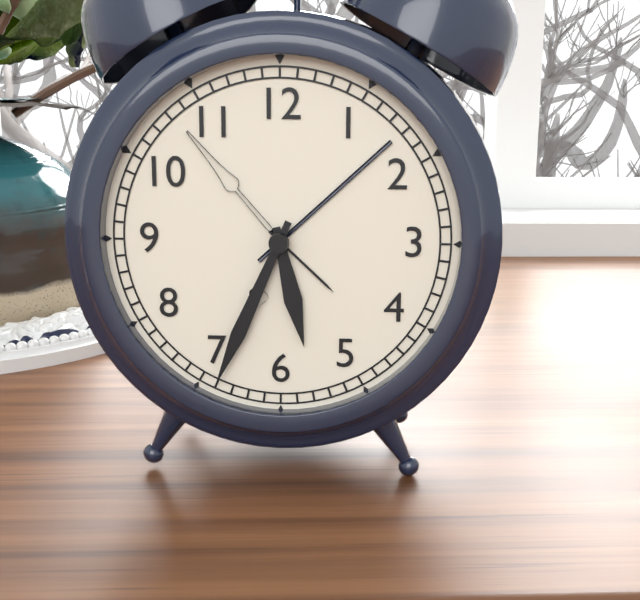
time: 5:34
